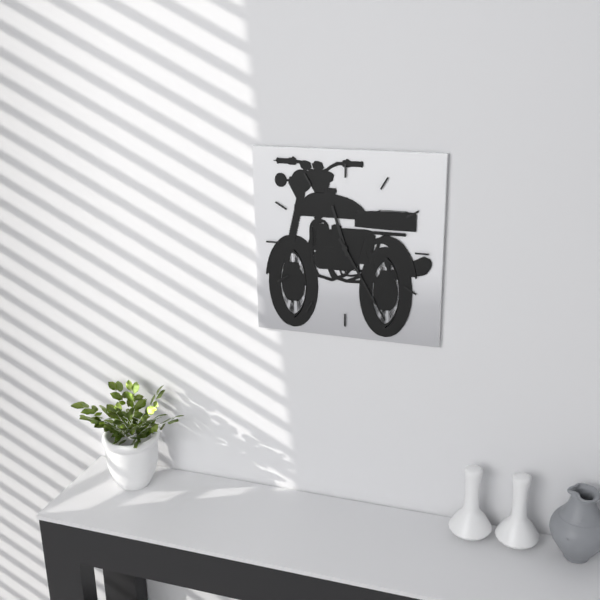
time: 11:25
